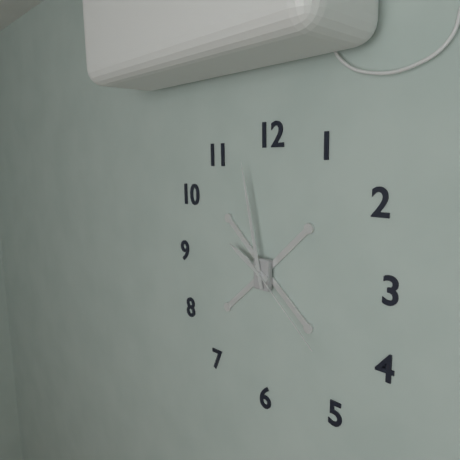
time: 9:58:22
